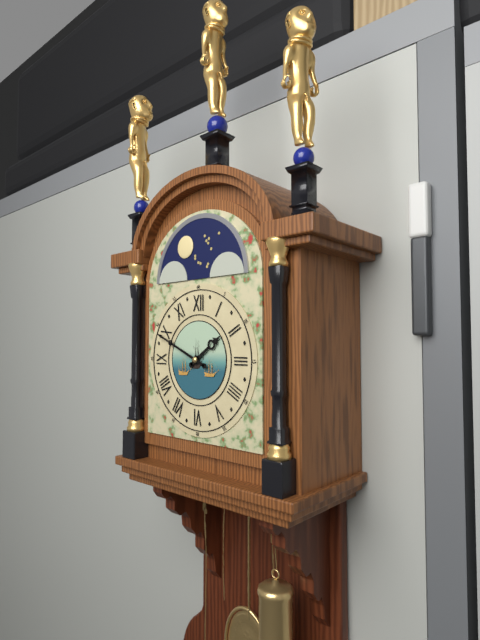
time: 1:49
